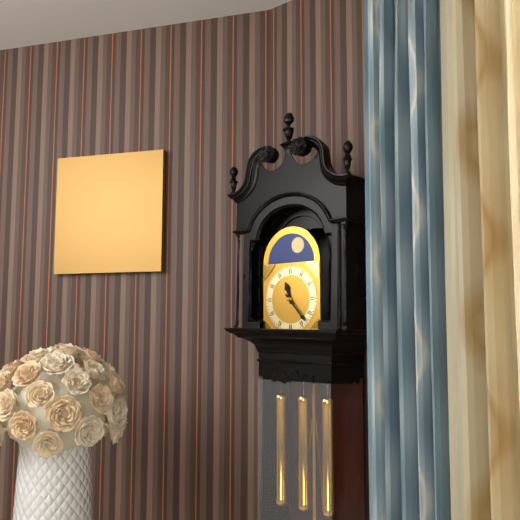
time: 11:23
